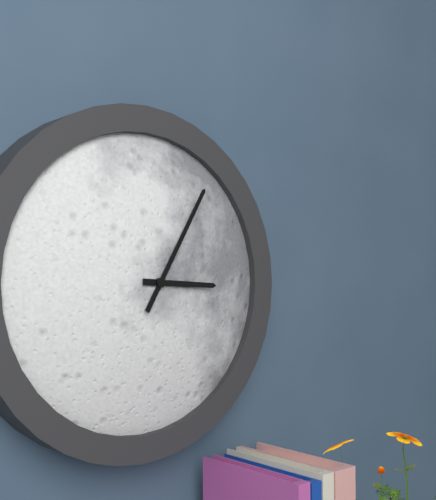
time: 3:05
